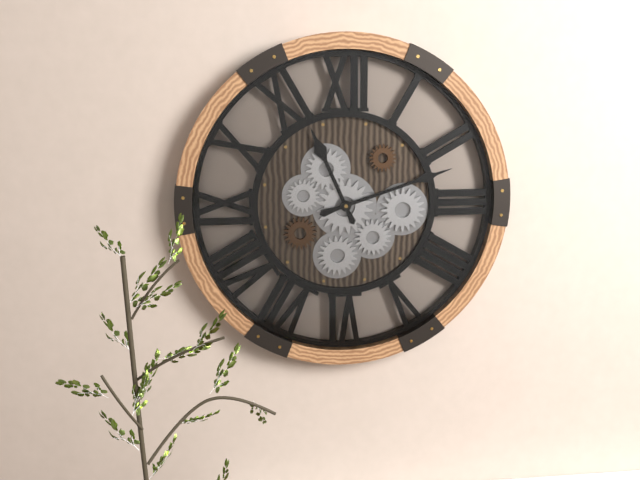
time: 11:12
